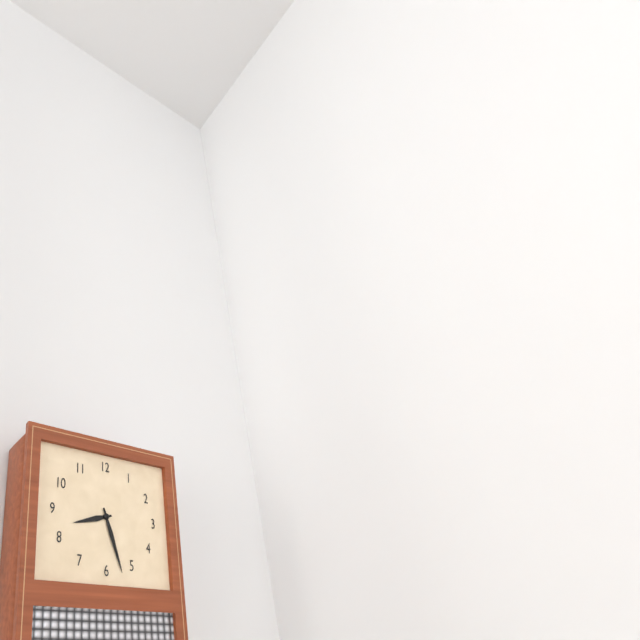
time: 8:27
